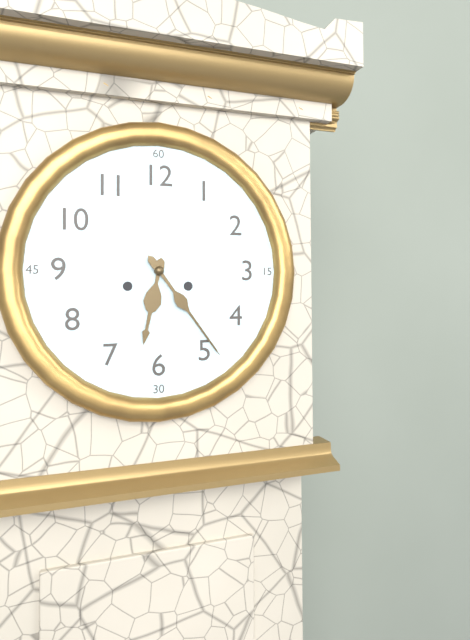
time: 6:24
